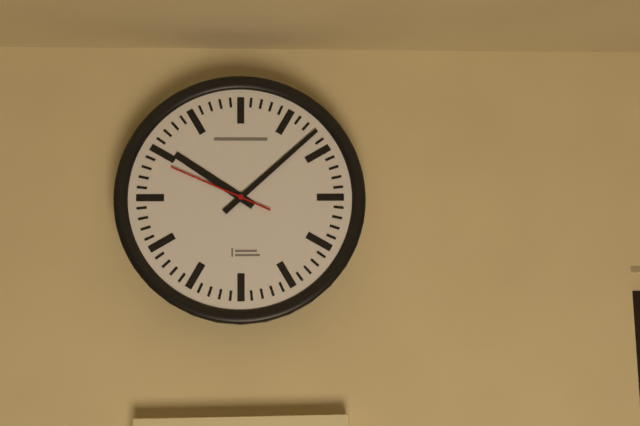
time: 10:08:49
